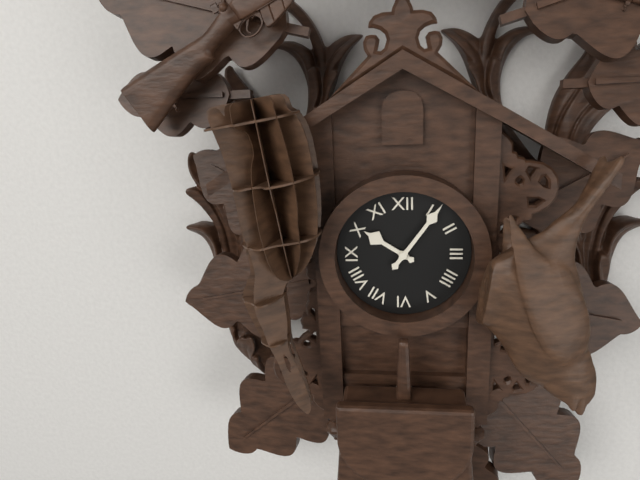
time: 10:06
